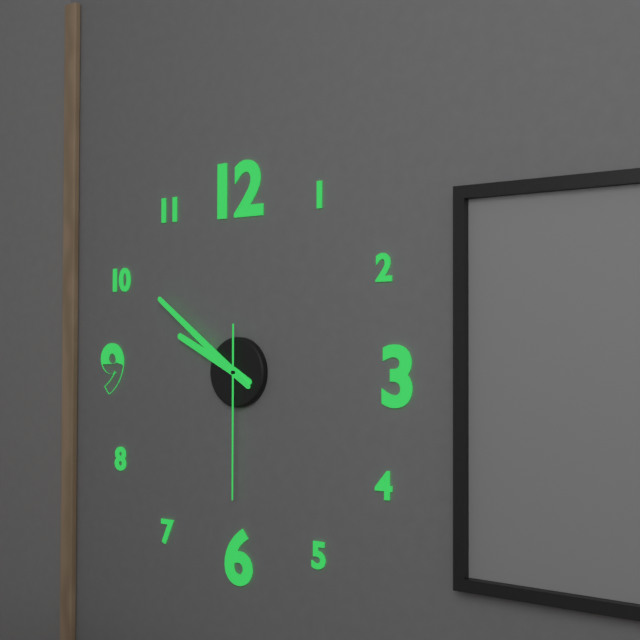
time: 9:51:30
